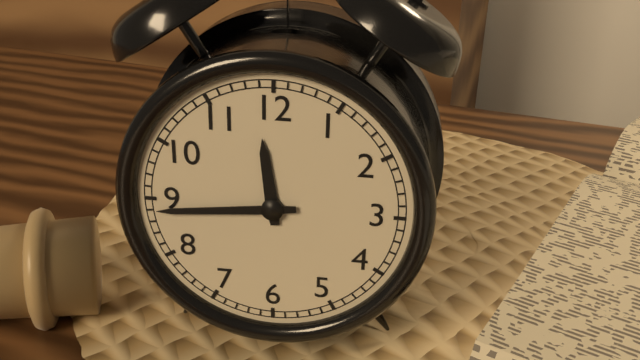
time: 11:44
